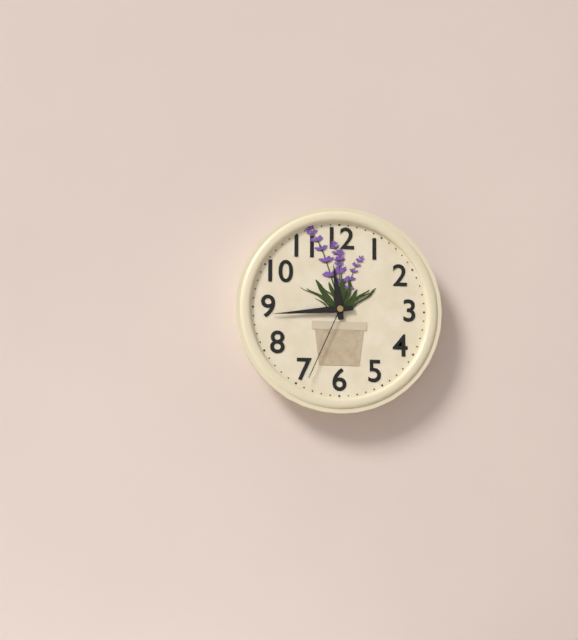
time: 11:44:34
